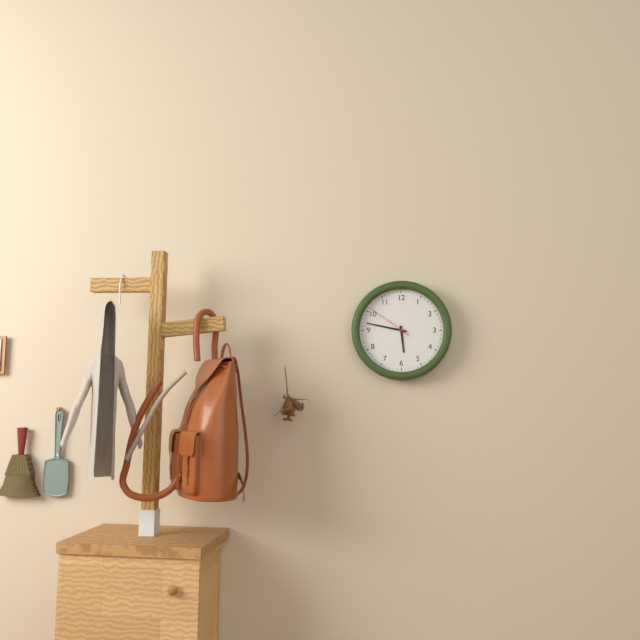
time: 5:47
